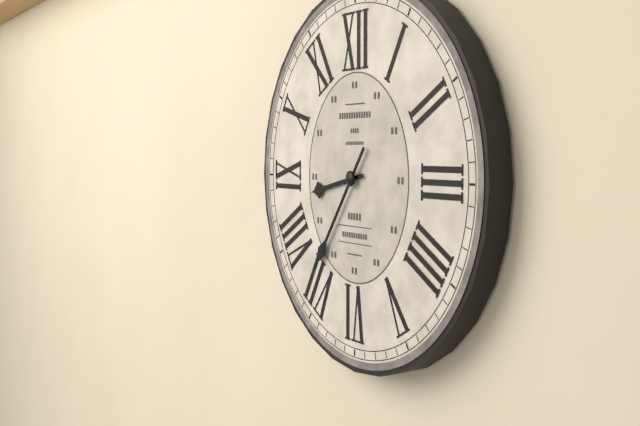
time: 8:36
